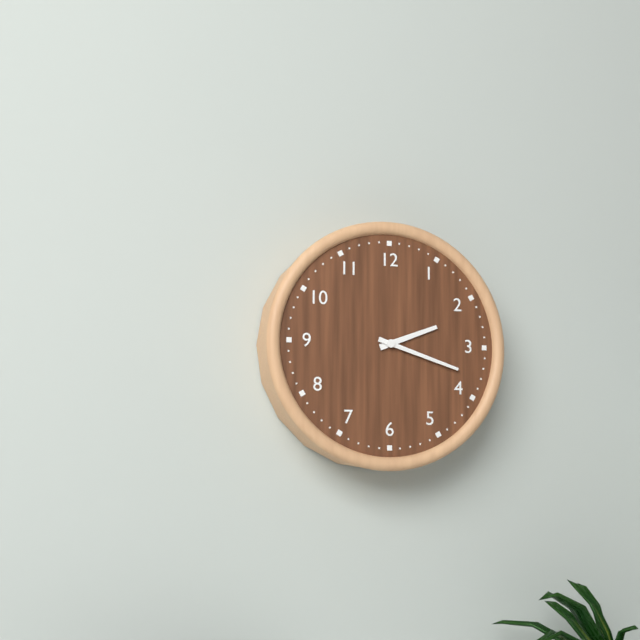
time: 2:18
